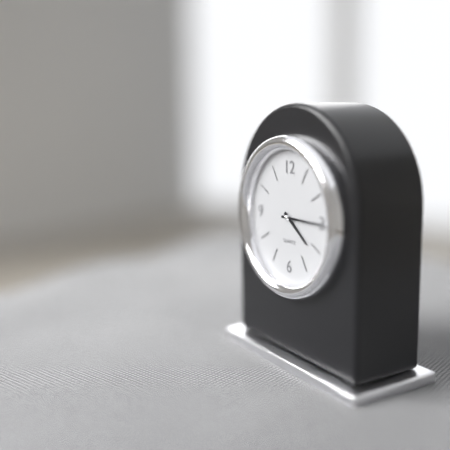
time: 4:15
